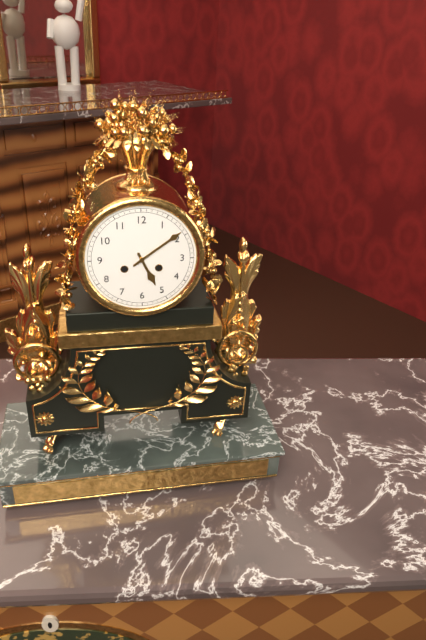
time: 5:09
